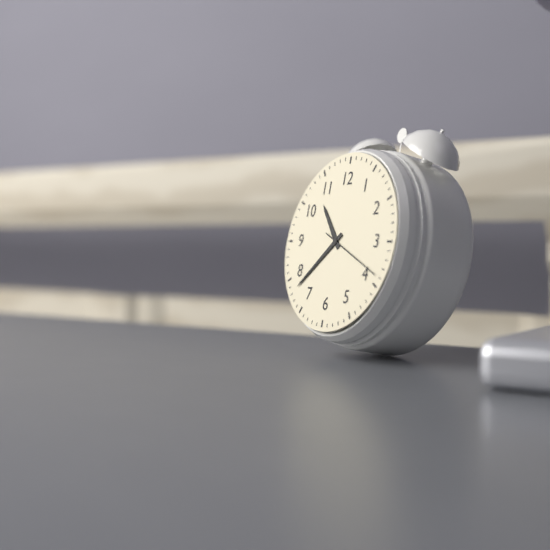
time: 10:38:19
